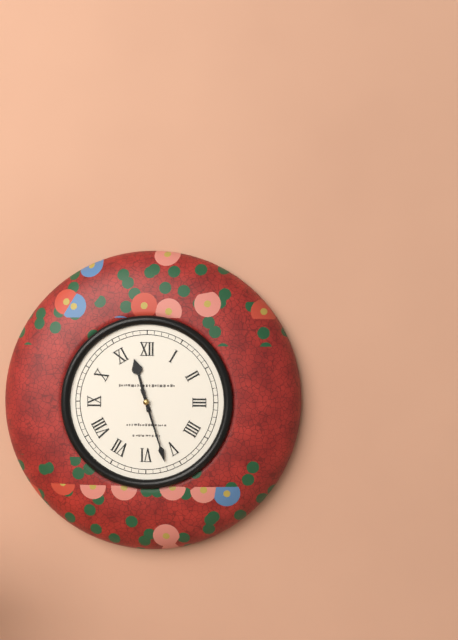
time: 11:27
